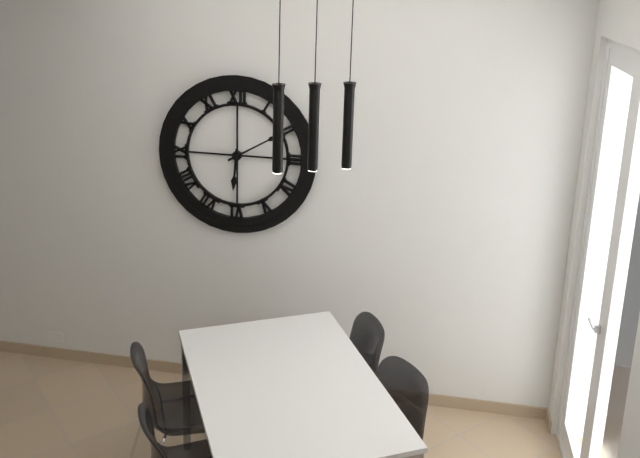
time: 6:10
